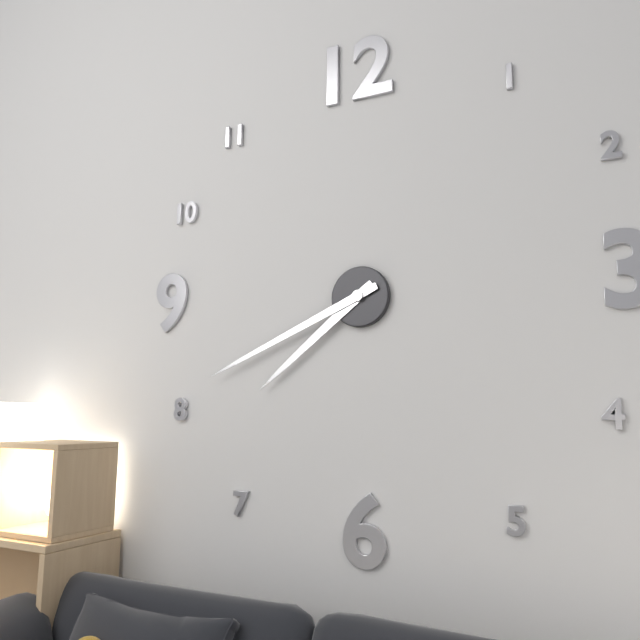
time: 7:41
